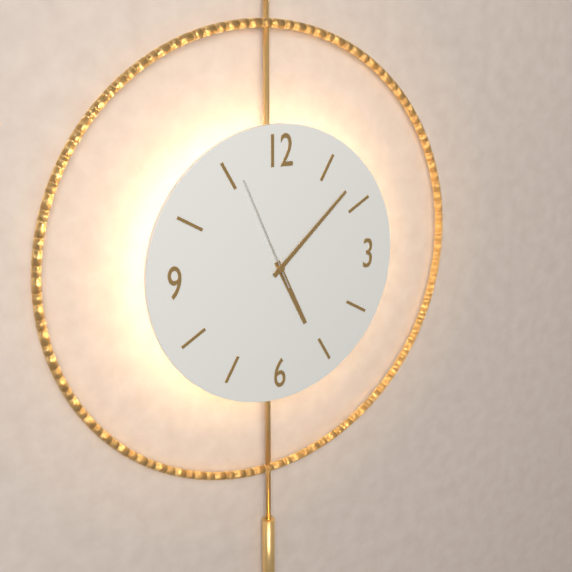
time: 5:08:56
